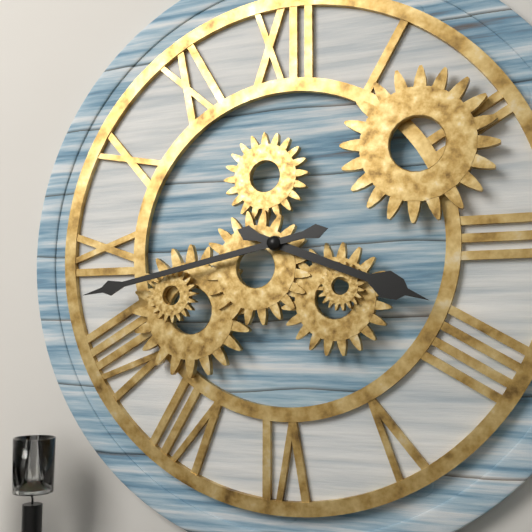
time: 3:43
